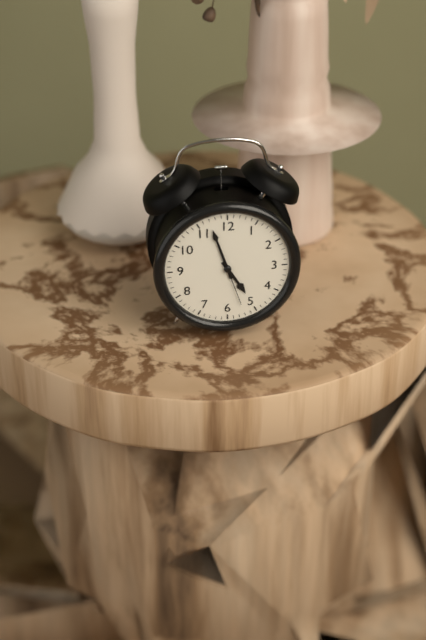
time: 4:57
